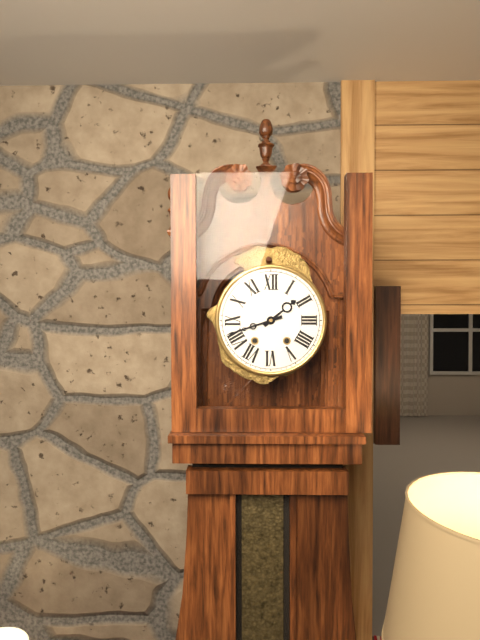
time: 1:42
